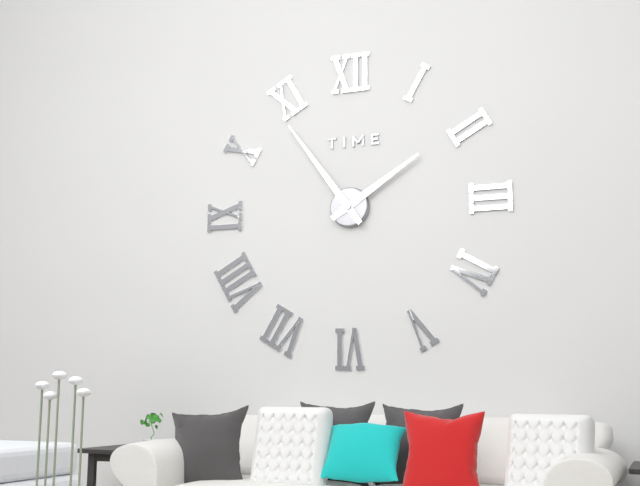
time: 1:54
